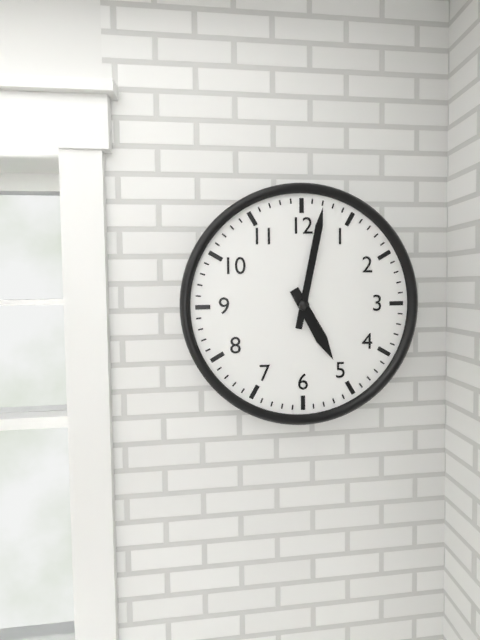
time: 5:02
